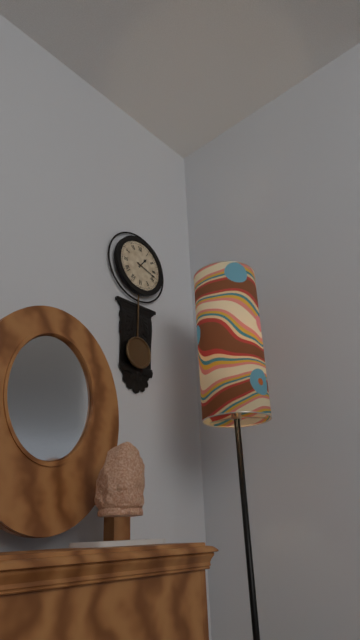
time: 1:18
